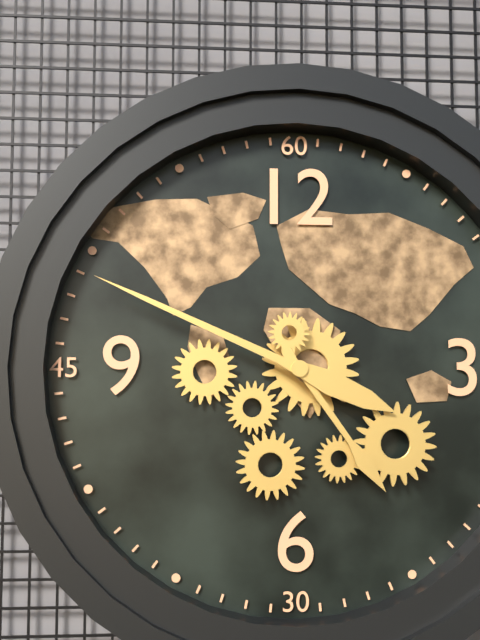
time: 4:49
